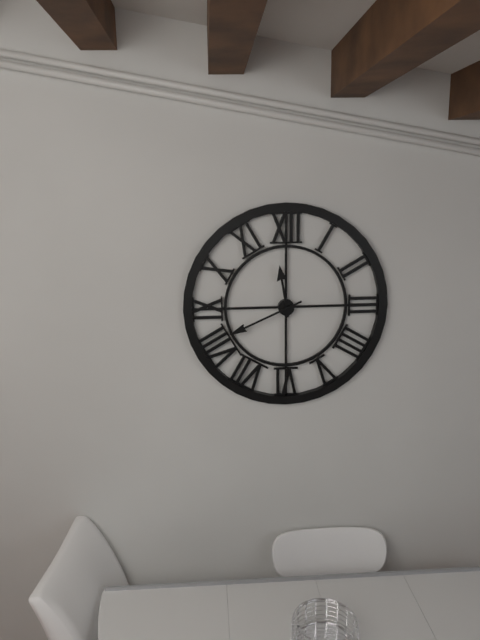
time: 11:41
